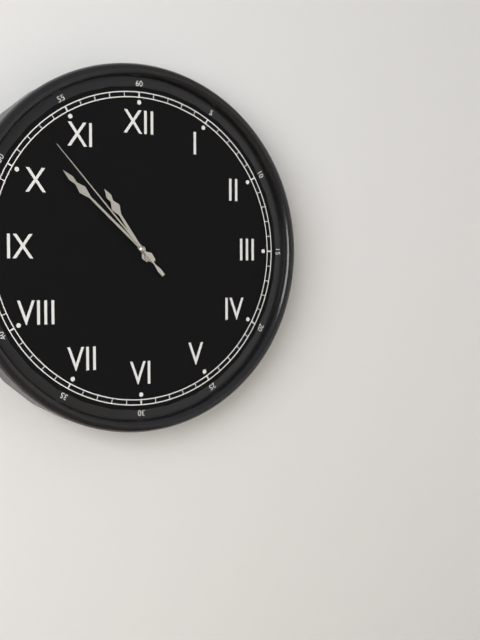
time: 10:52:53
